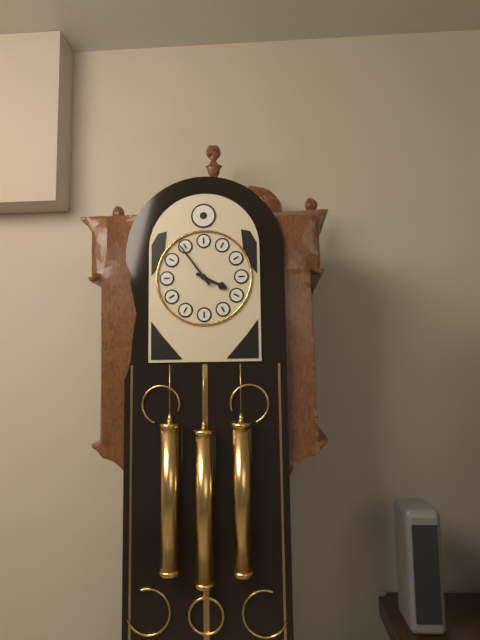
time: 3:54
